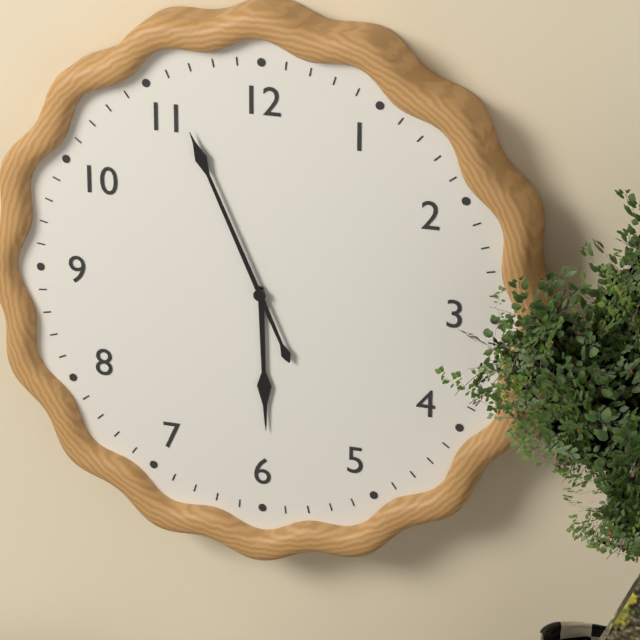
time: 5:56
